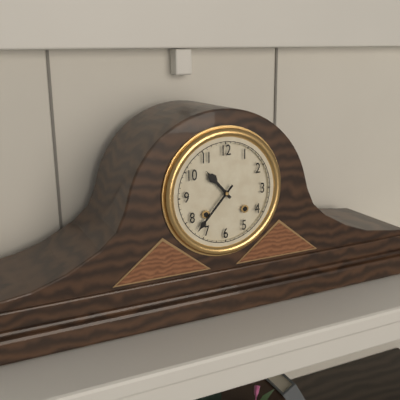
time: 10:37
